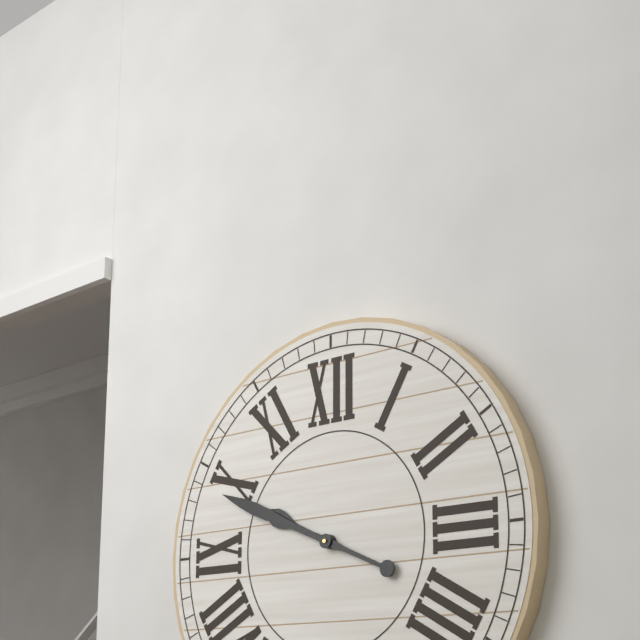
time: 9:49
